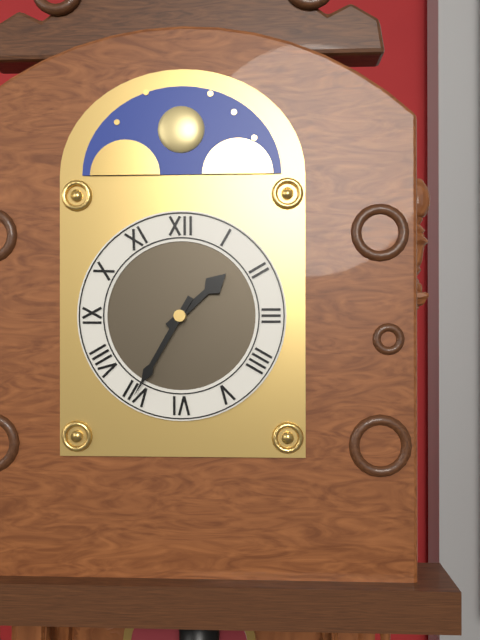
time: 1:35
